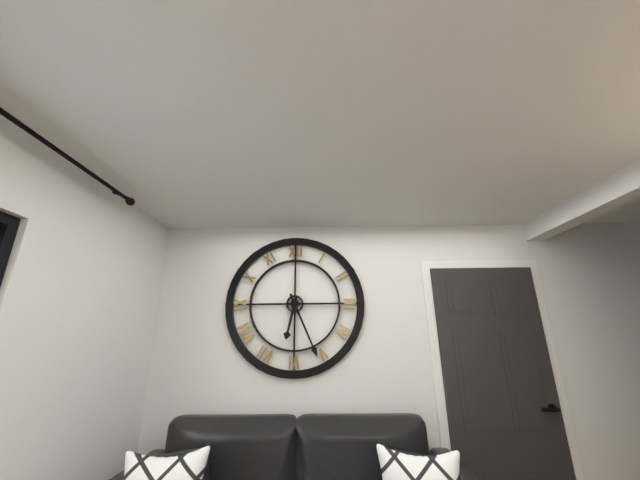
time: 6:26
